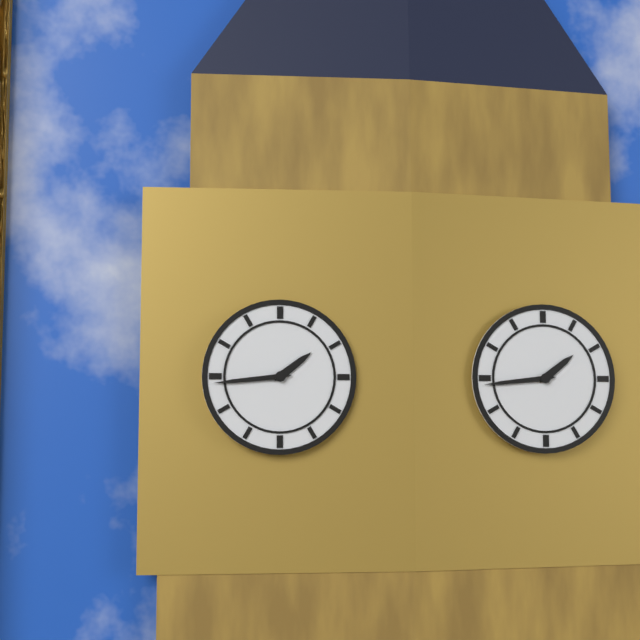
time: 1:44
